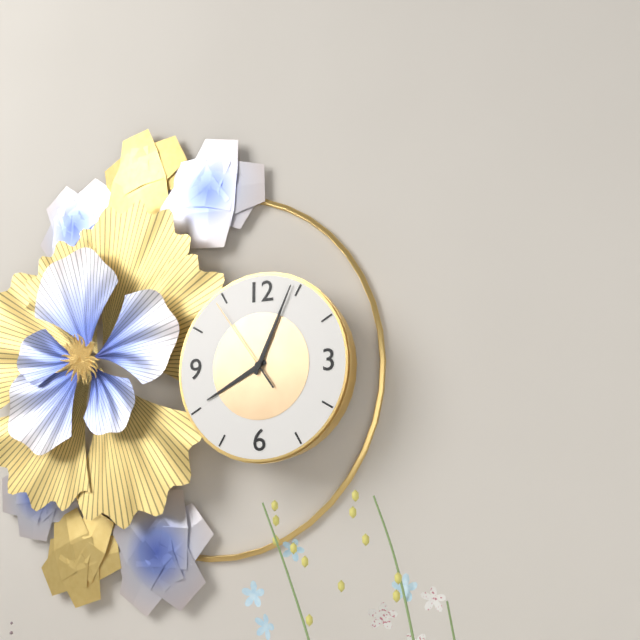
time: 8:04:54
